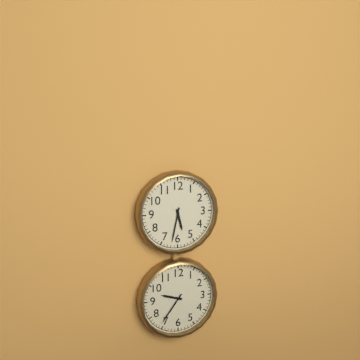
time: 5:32
